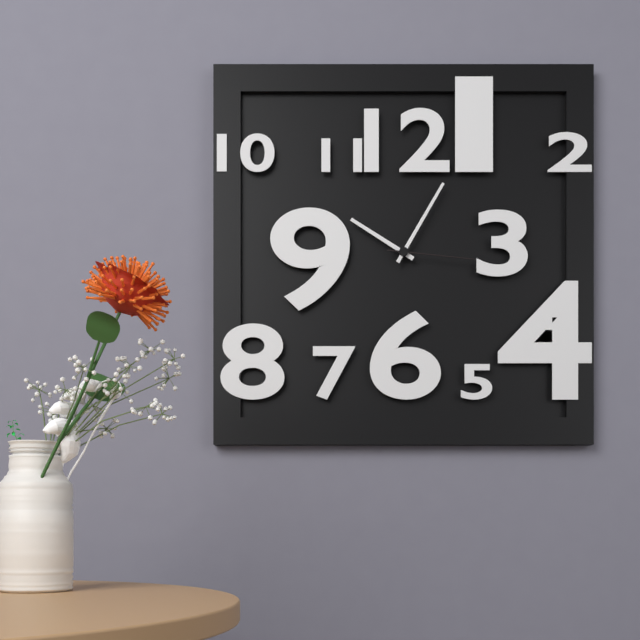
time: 10:05:16
